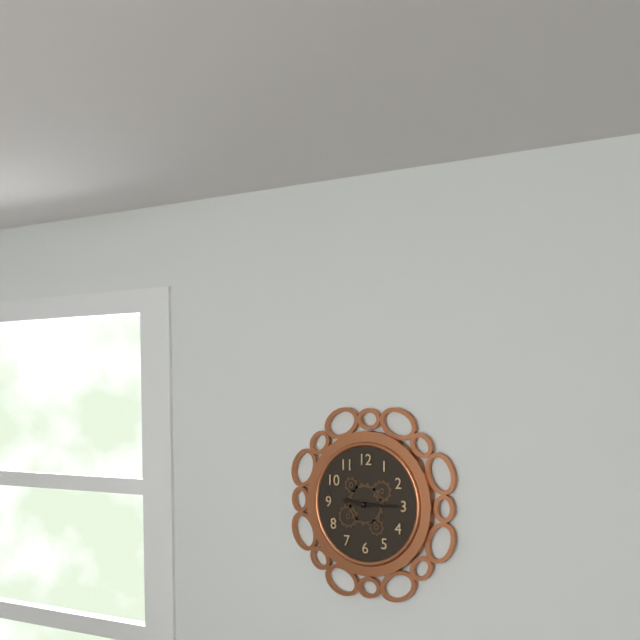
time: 9:15
